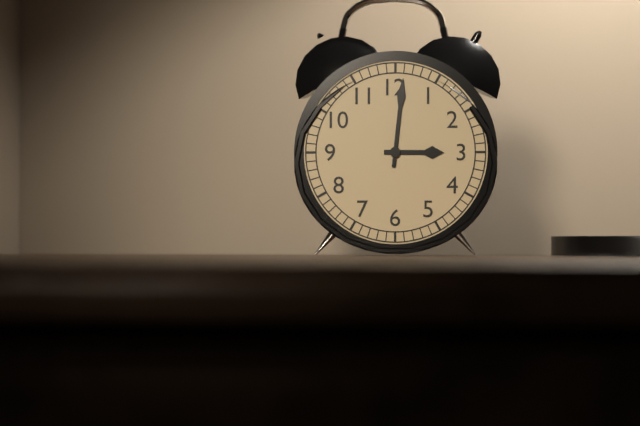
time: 3:01
